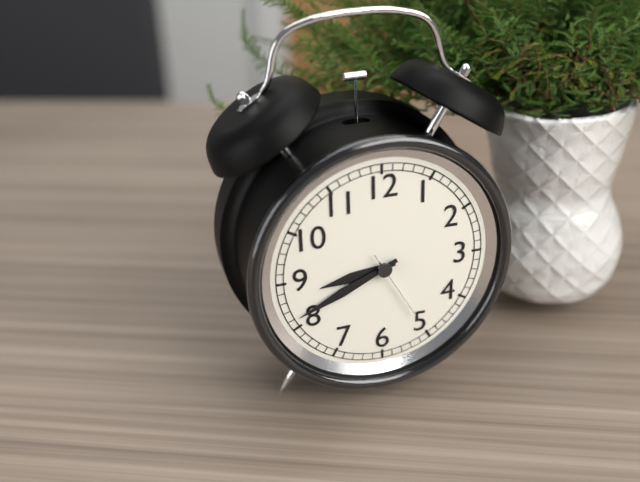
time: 8:41:25
